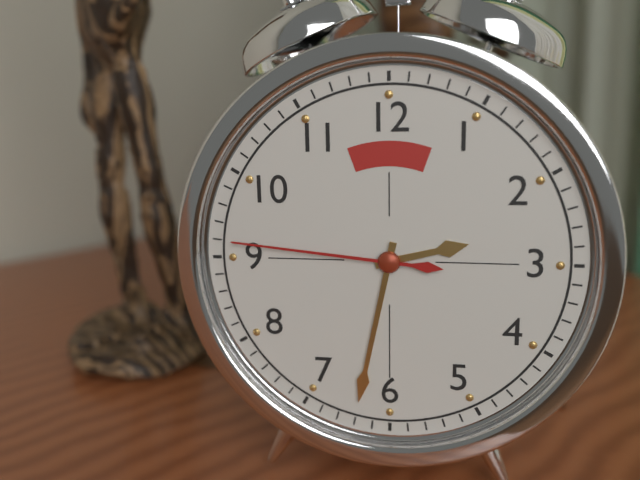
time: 2:32:46
